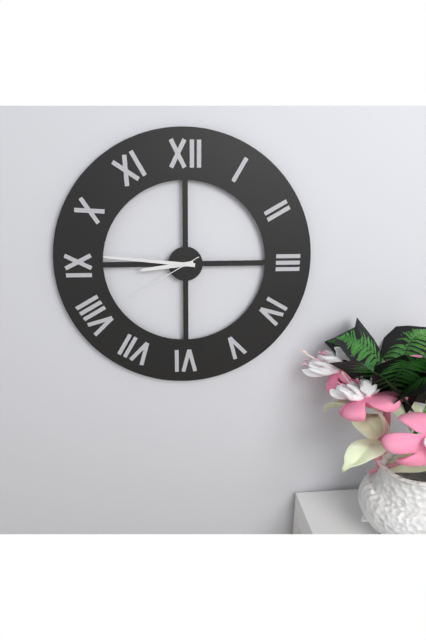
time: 8:46:40
